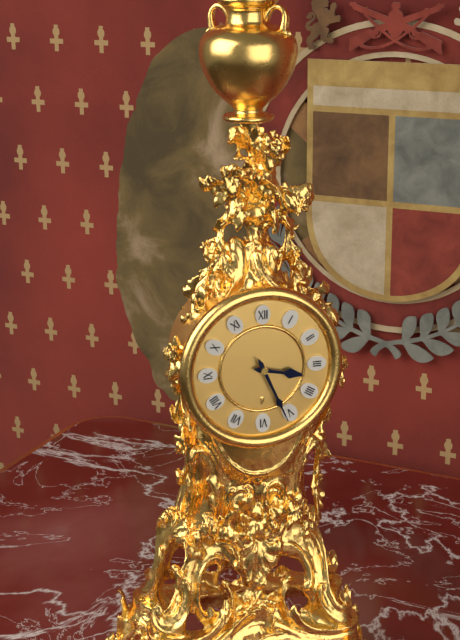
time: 3:26
